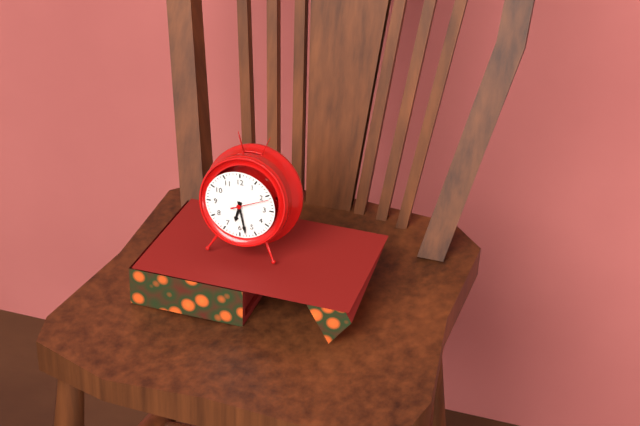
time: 6:28
